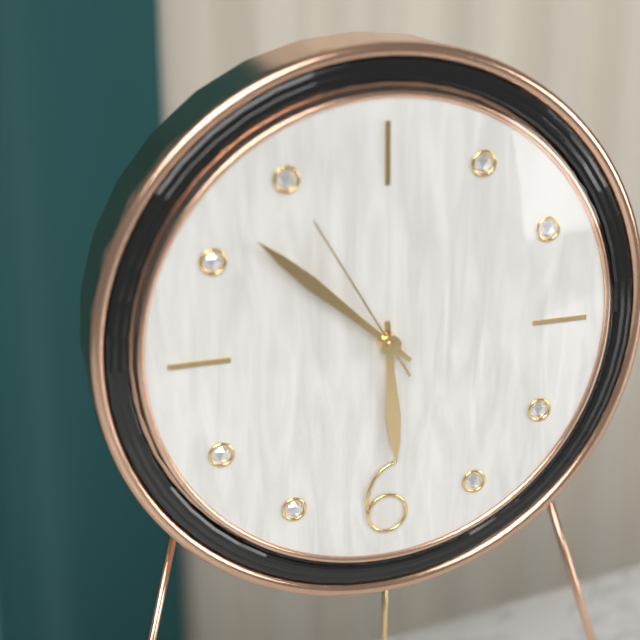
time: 5:52:55
